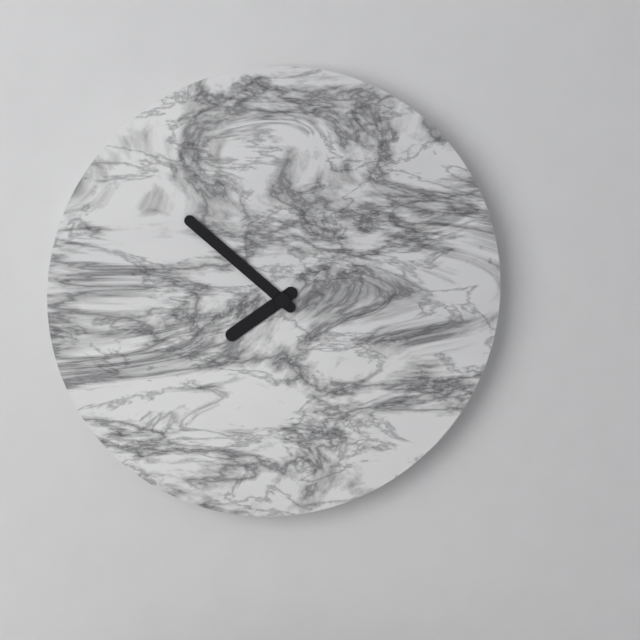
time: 7:52
